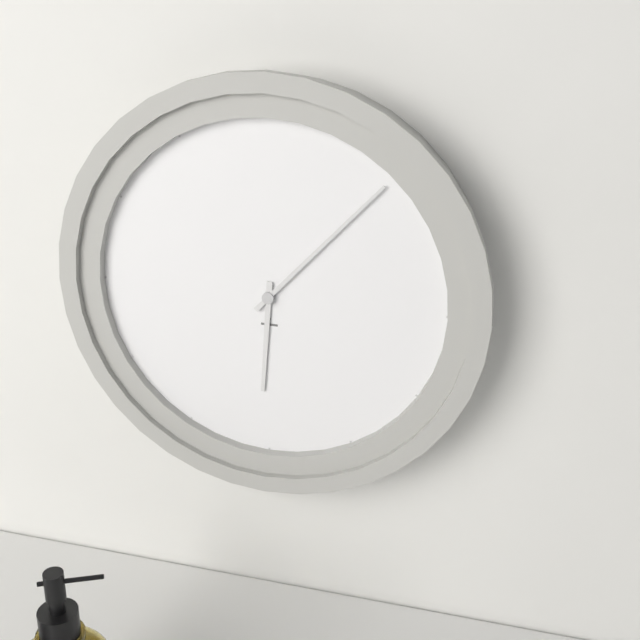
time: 6:07
